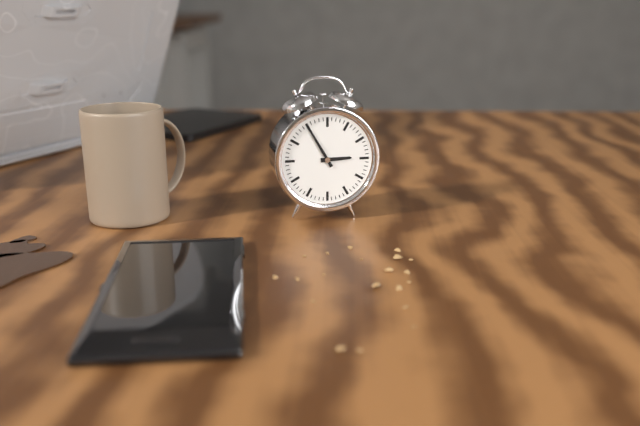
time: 2:55
